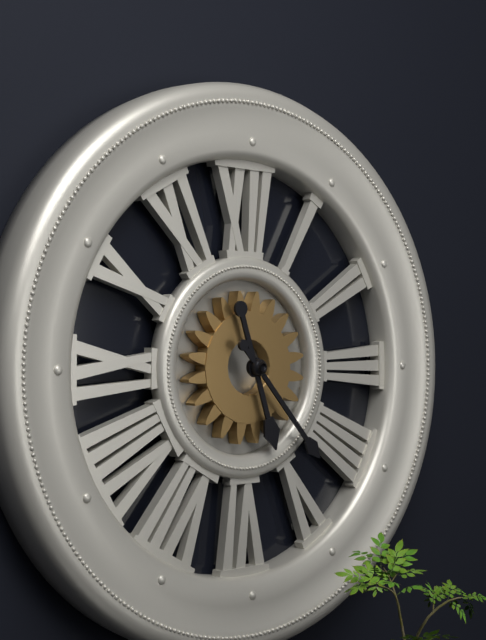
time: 5:23
